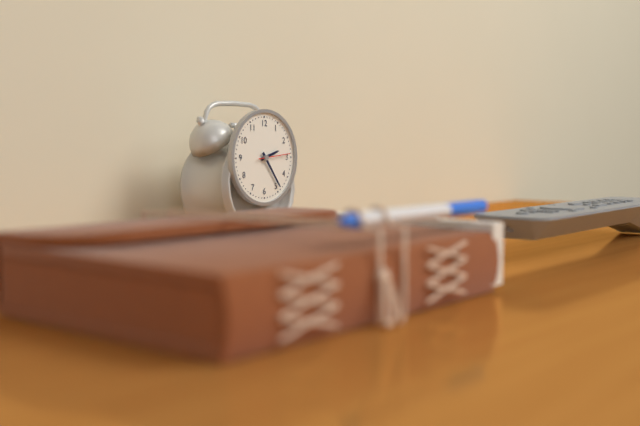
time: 2:24
